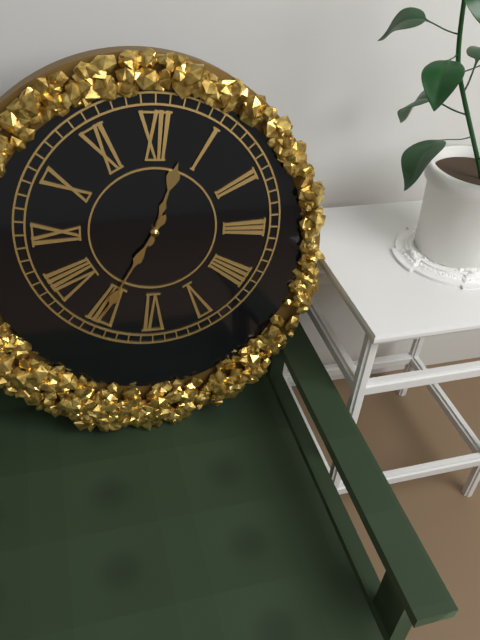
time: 12:35
